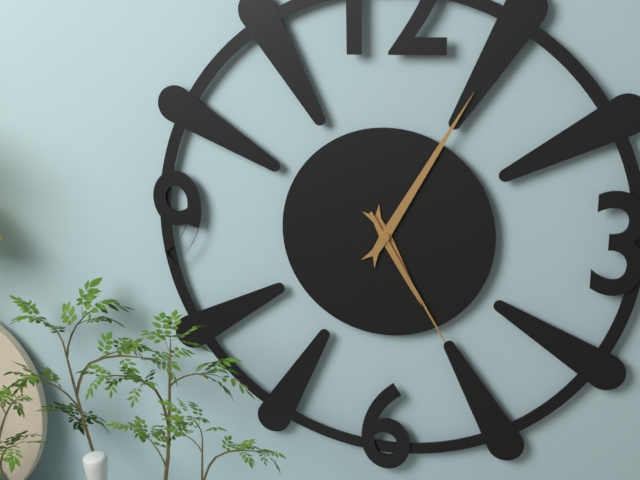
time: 5:05:25
